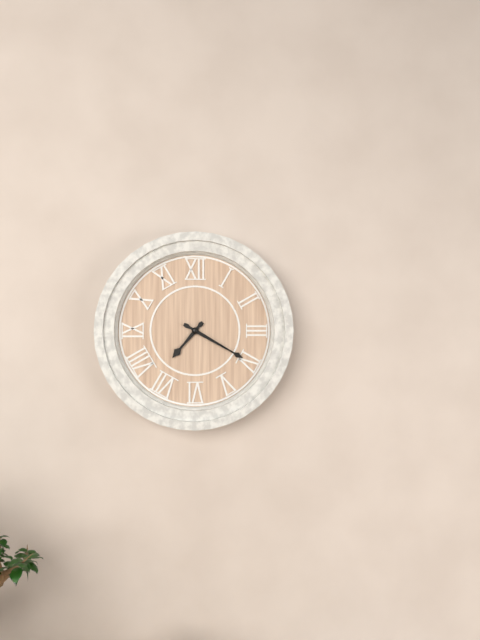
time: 7:20
